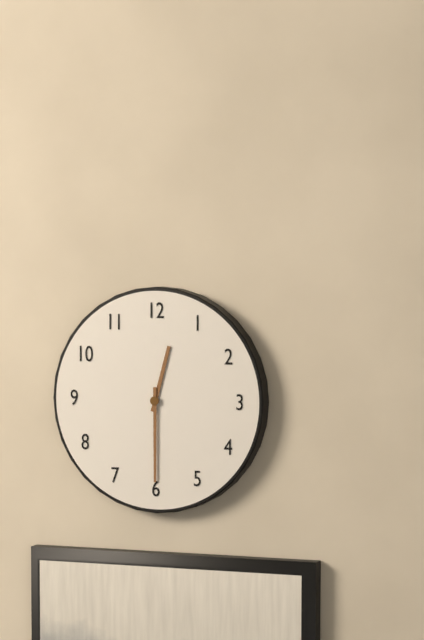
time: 12:30
